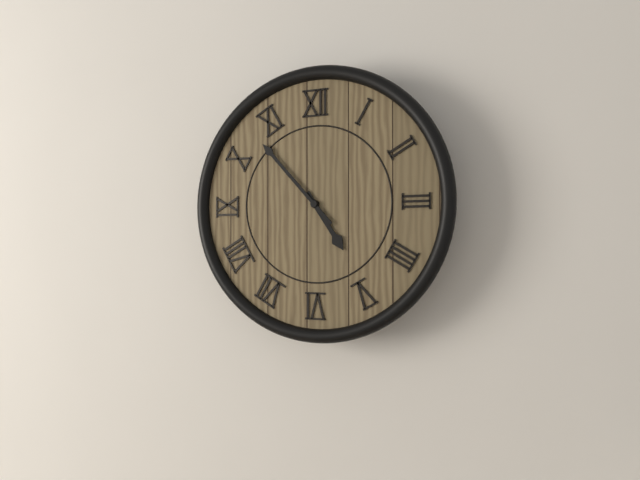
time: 4:53
